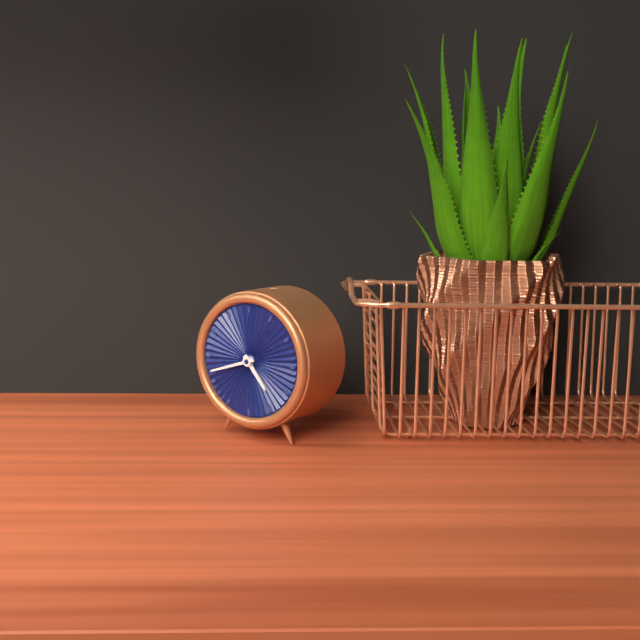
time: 4:42
